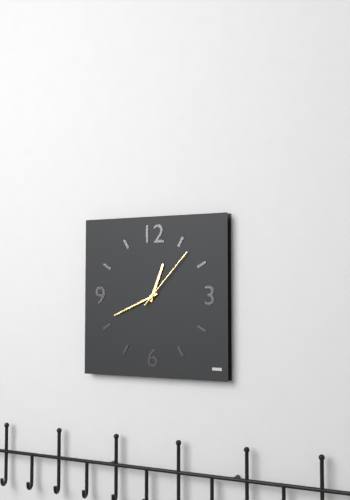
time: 12:41:07
